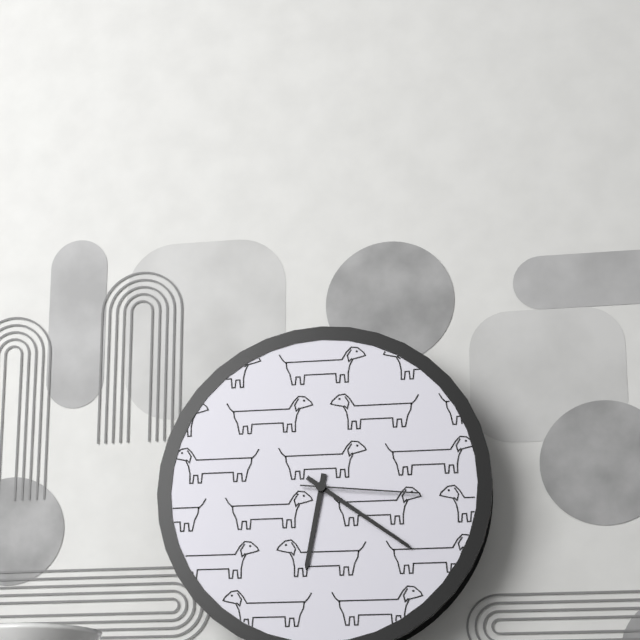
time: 6:21:16
